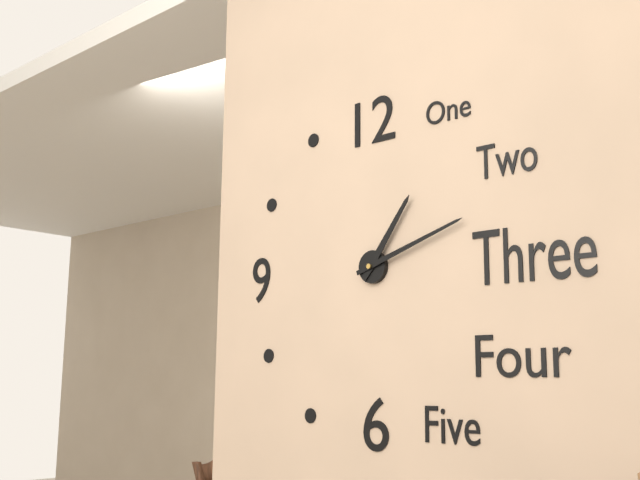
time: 1:12
